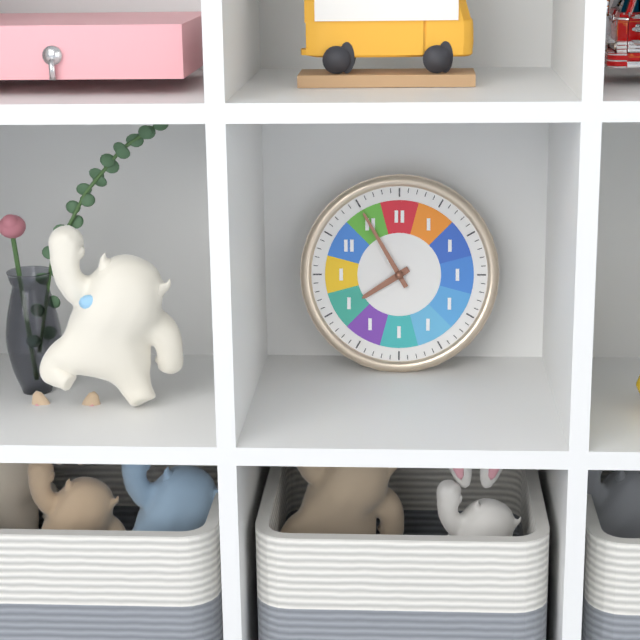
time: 7:55
